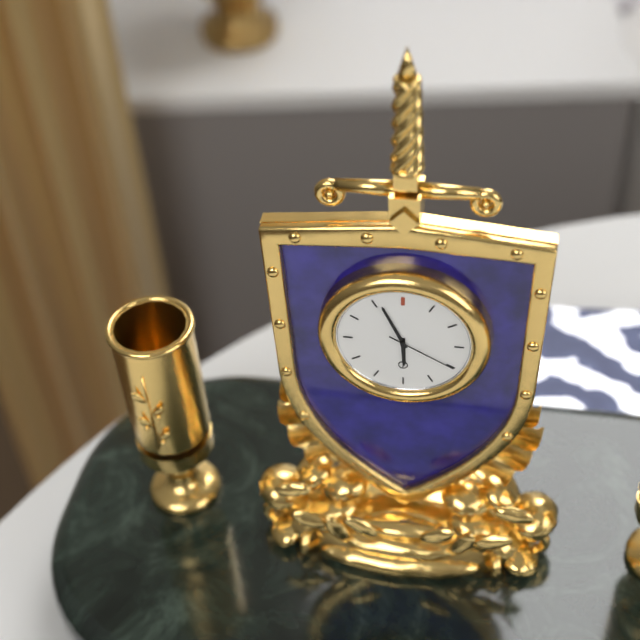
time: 5:56:20
